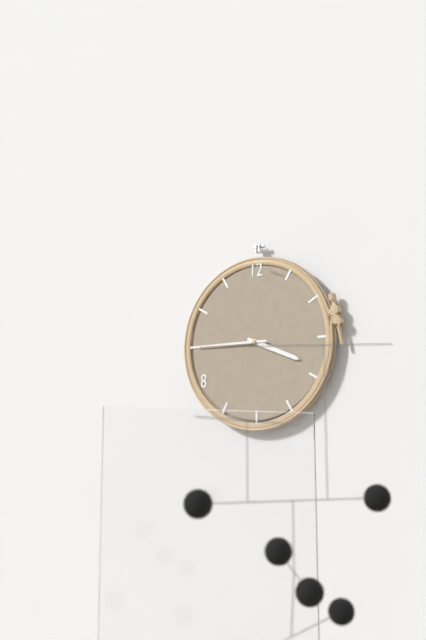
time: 3:45
